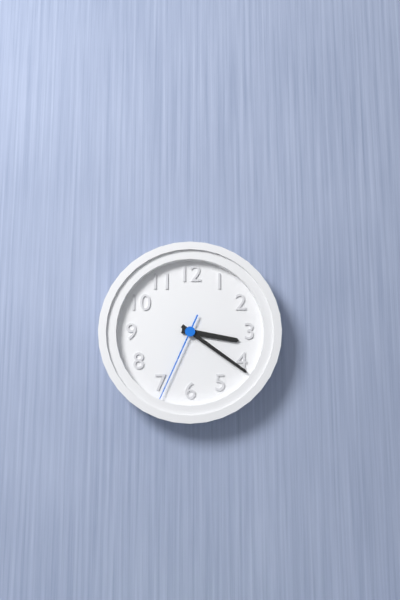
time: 3:21:34
